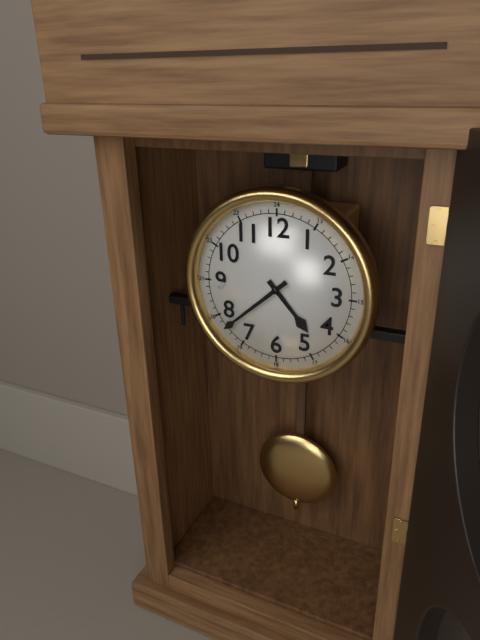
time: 4:38
